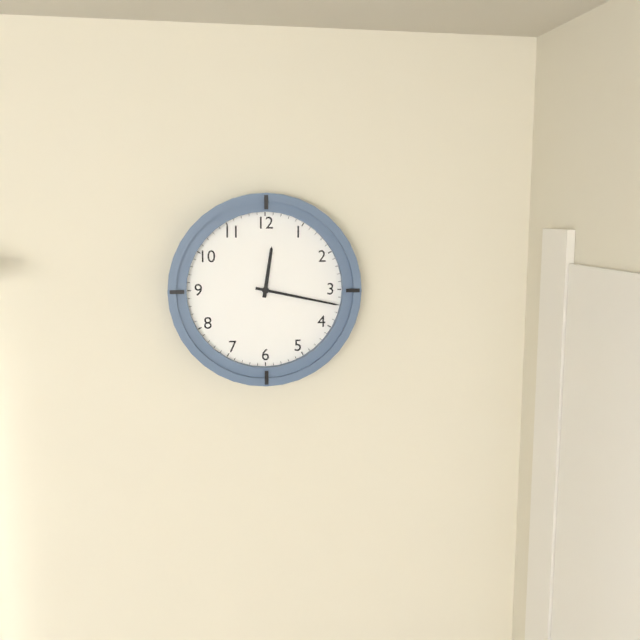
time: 12:17
